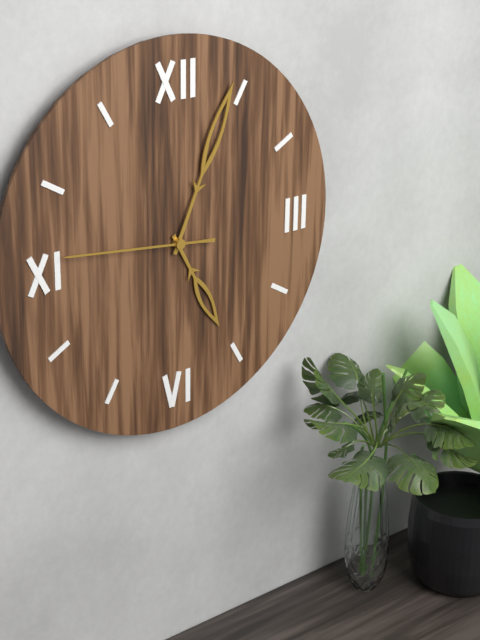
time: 5:04:46
